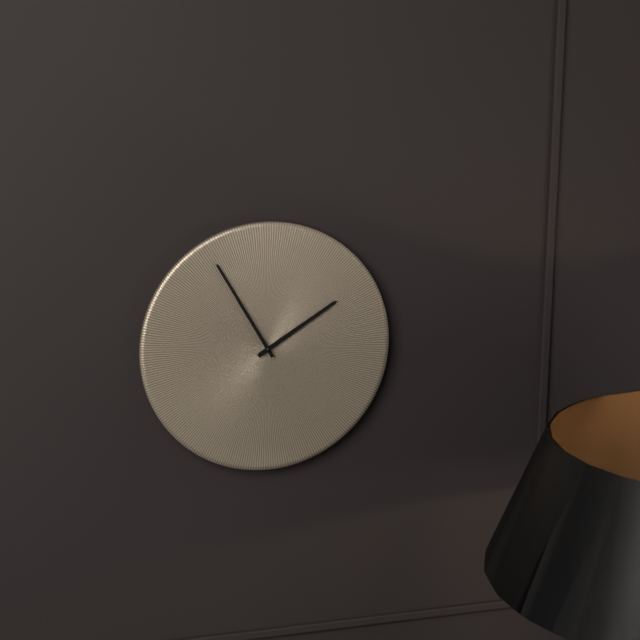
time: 1:55
